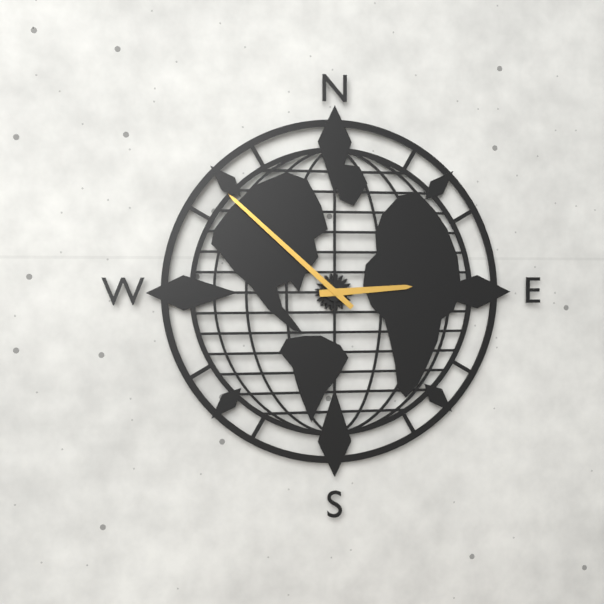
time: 2:52
